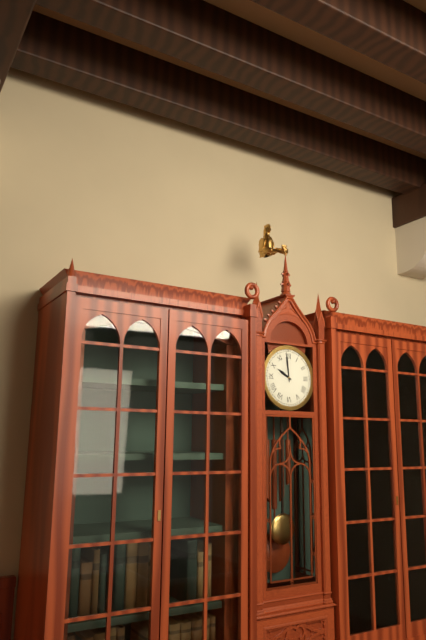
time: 9:59
